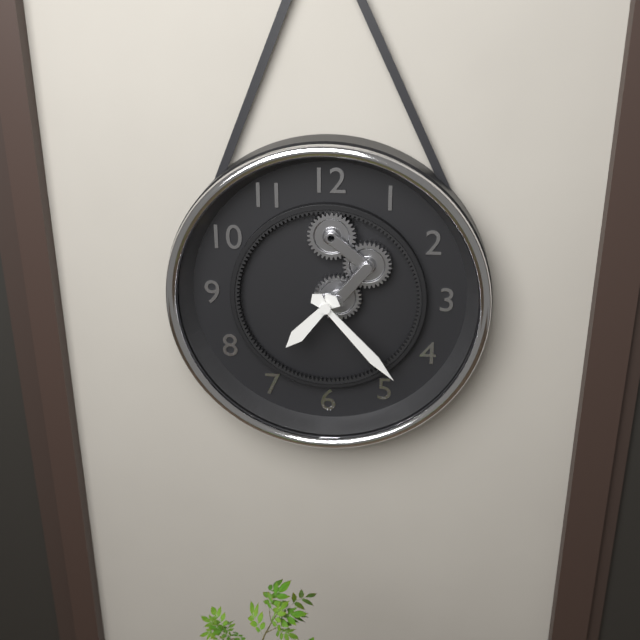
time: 7:23
